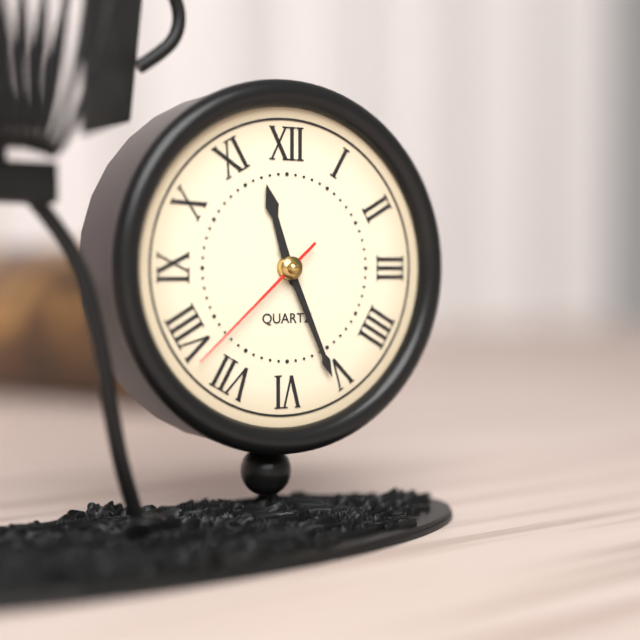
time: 11:26:38
